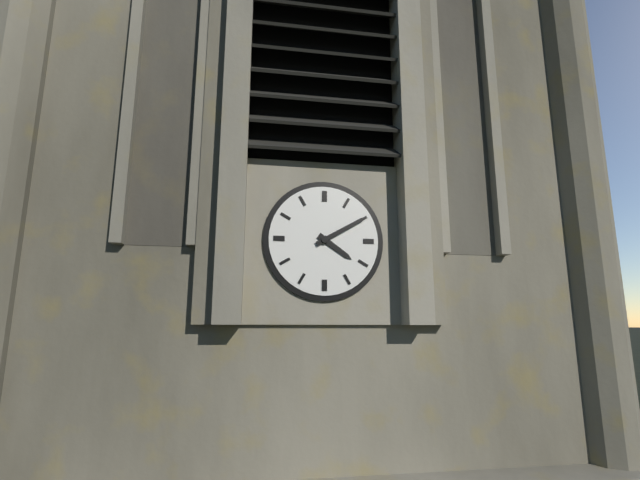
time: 4:10
